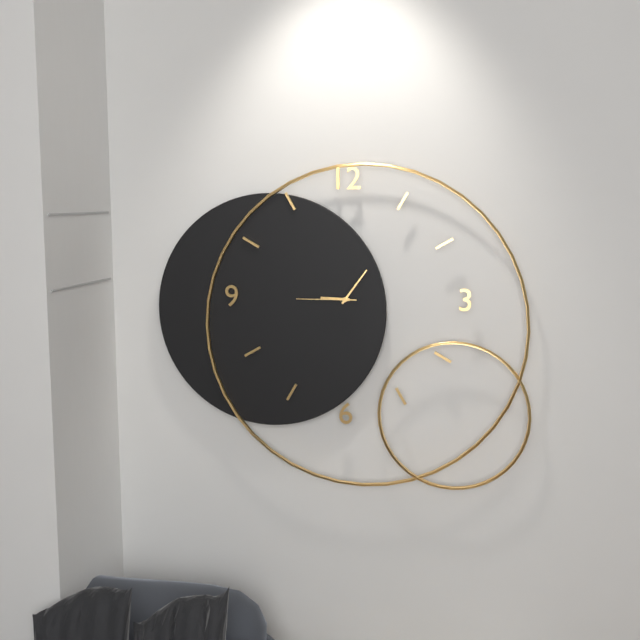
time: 9:06:45
